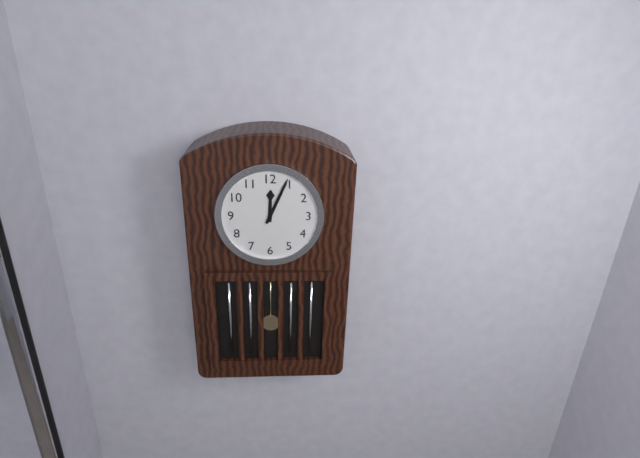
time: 12:04
